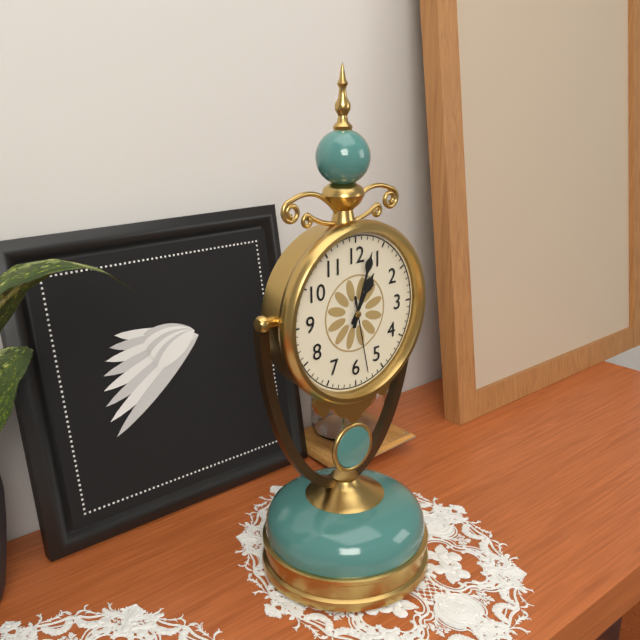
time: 1:03:28
